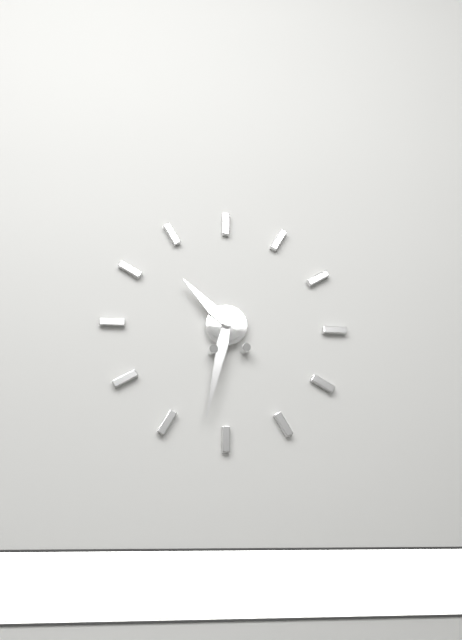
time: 10:32
